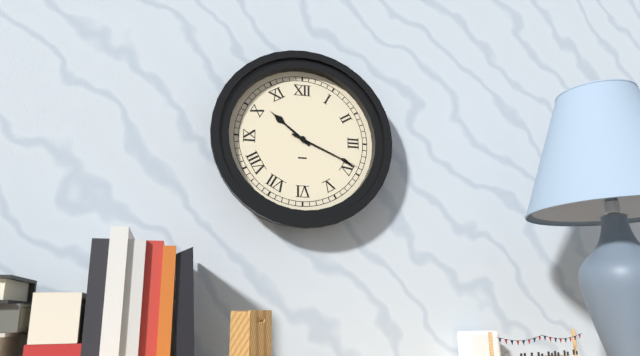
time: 10:19
